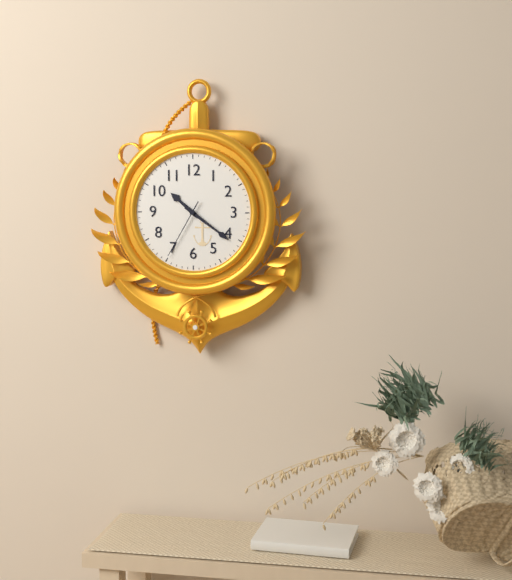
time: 10:21:35
